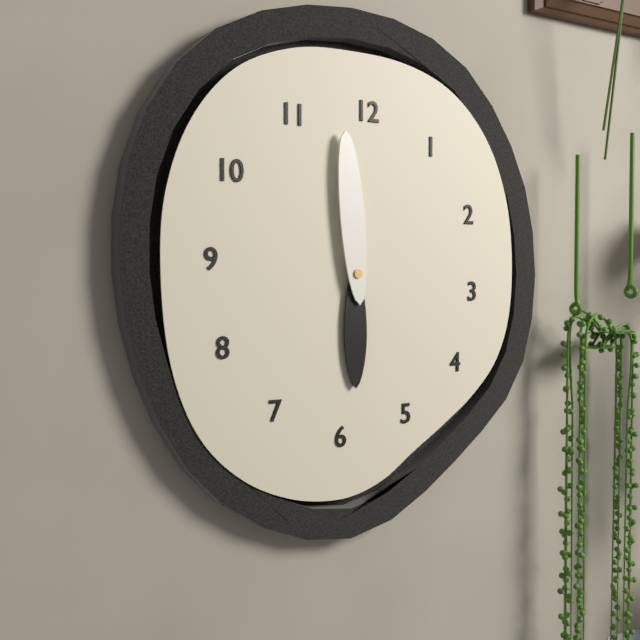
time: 5:59
